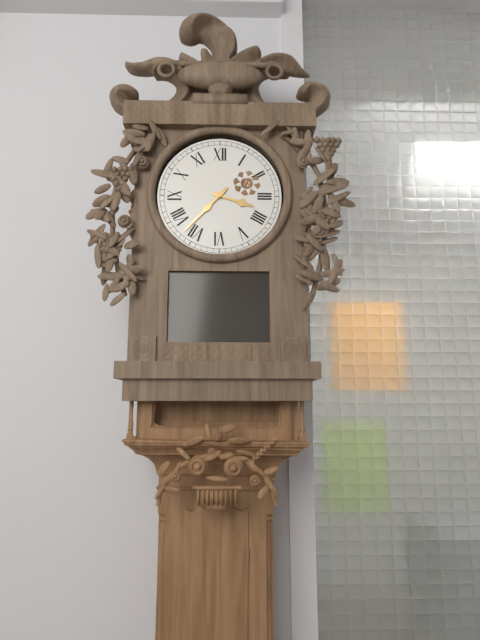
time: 3:37
